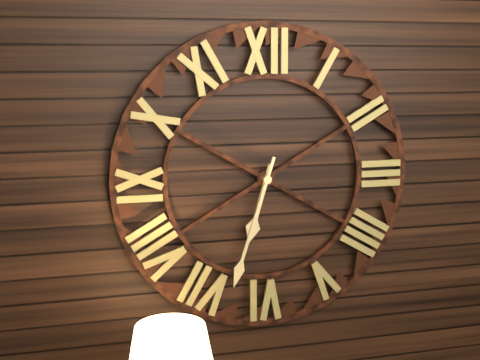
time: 6:33
